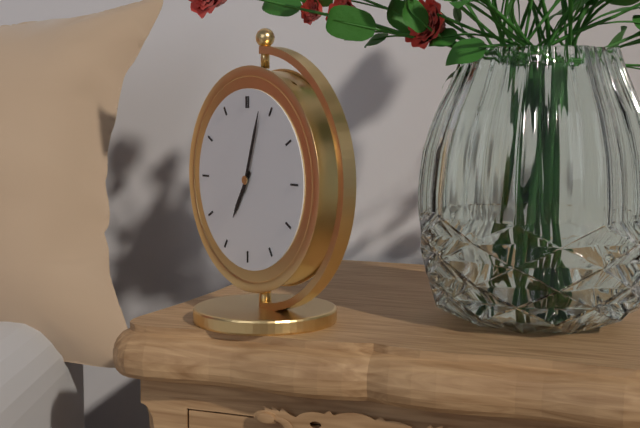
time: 7:03
